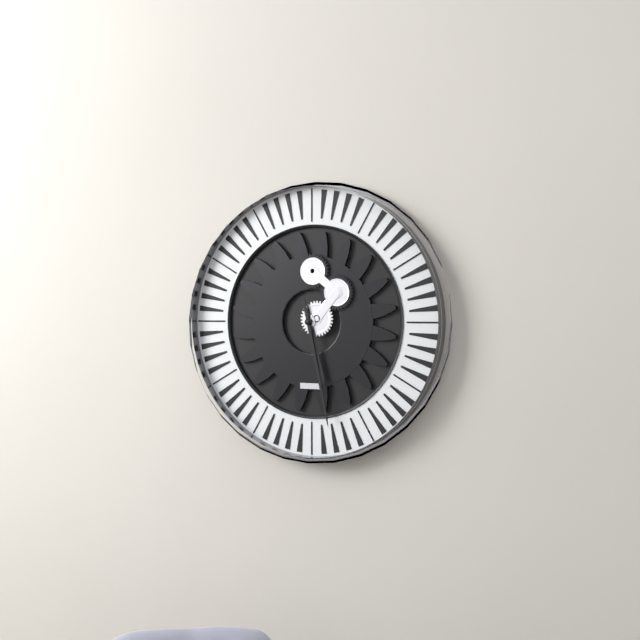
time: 5:28
